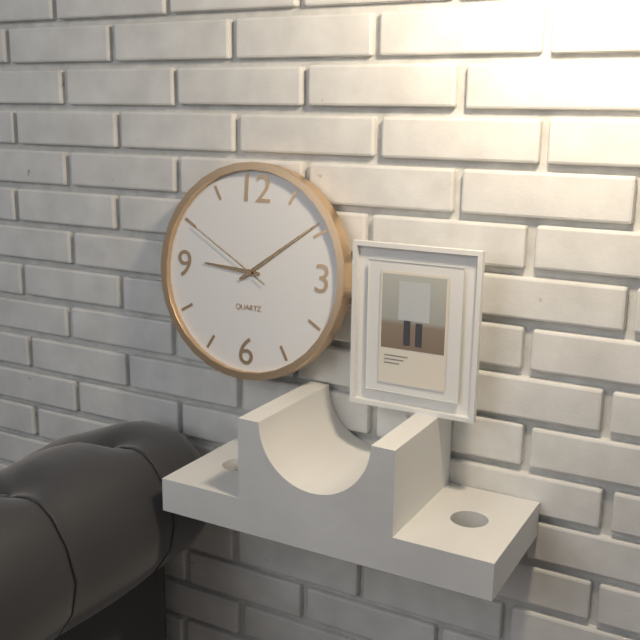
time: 9:09:50
